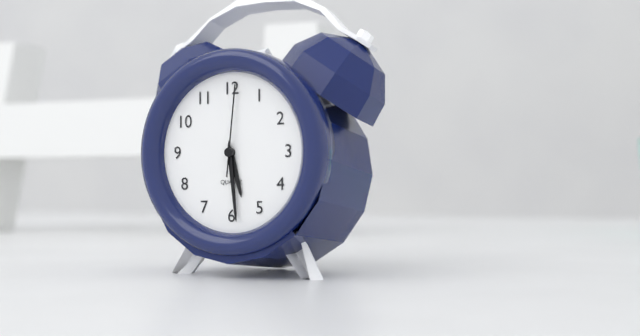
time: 5:29:01
